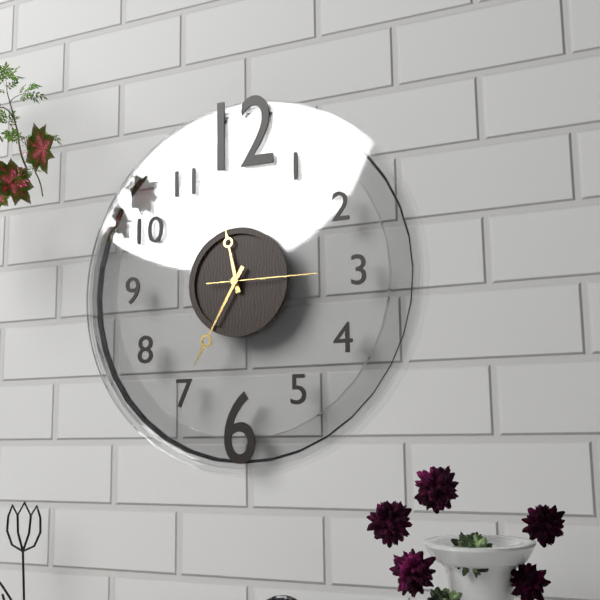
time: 11:35:15
